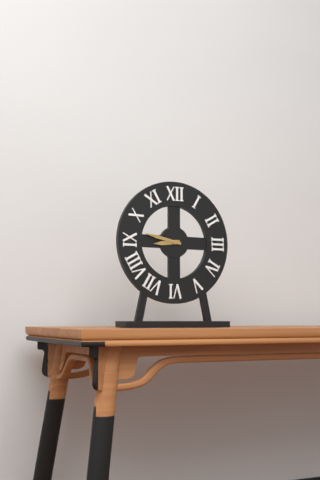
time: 8:47
